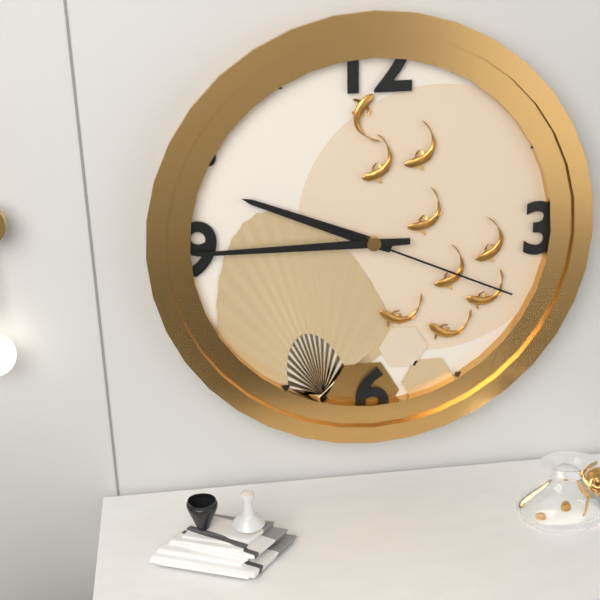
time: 9:45:19
